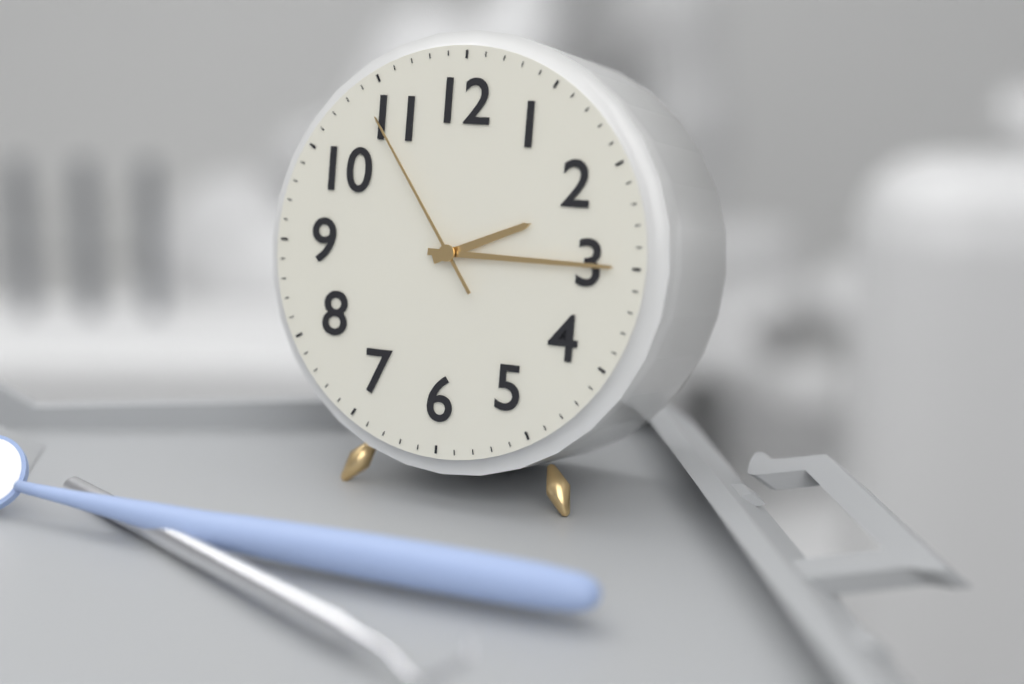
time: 2:15:54
